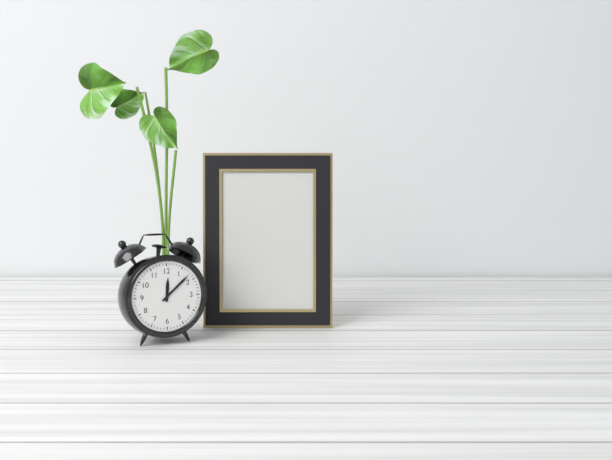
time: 12:08
